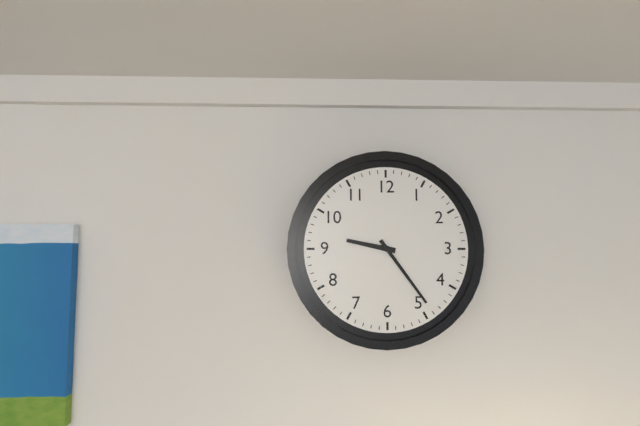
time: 9:24
